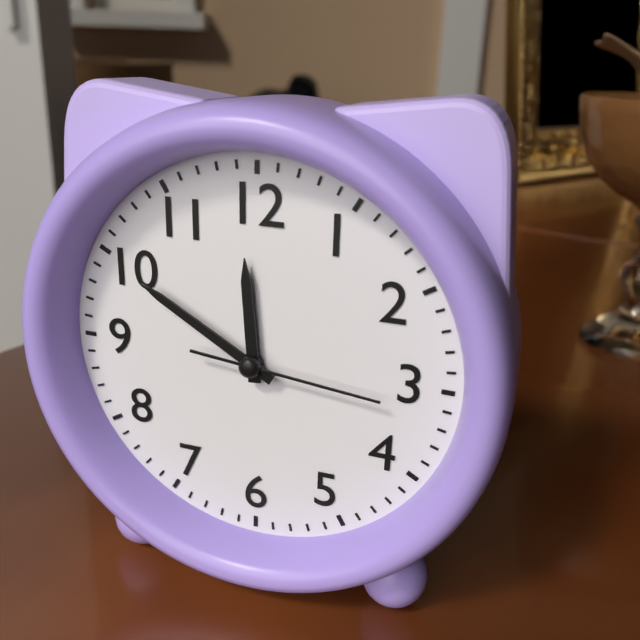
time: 11:50:16
